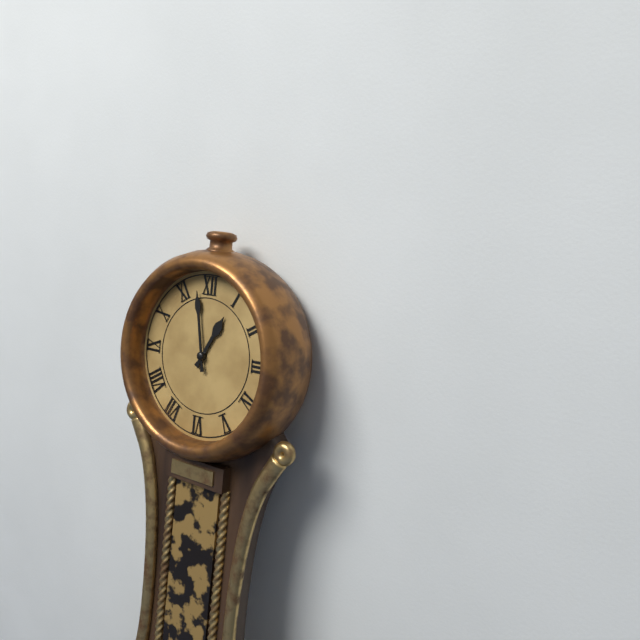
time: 12:58
